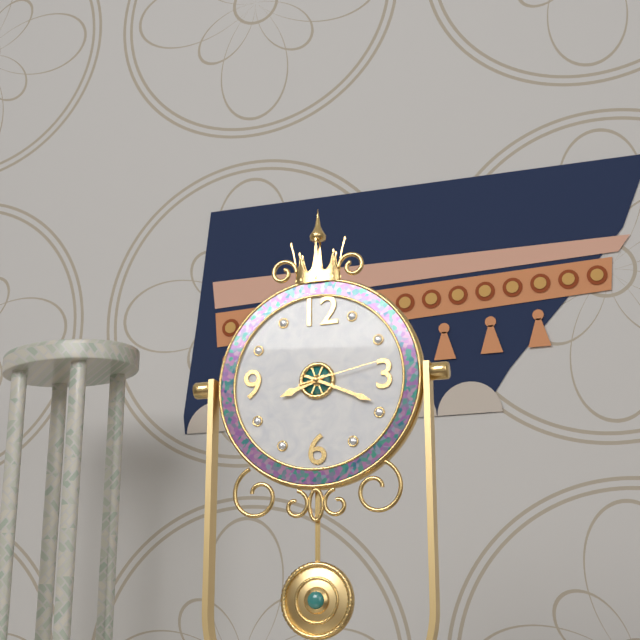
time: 8:19:13
